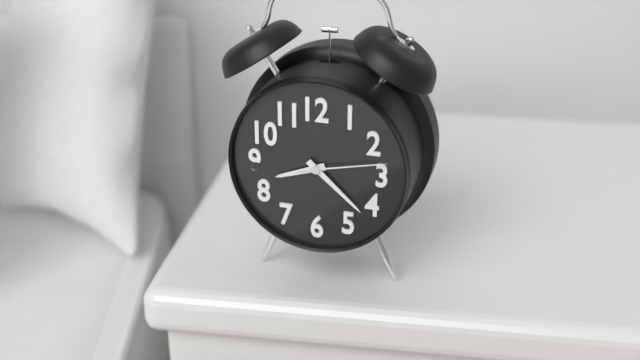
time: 8:22:13
